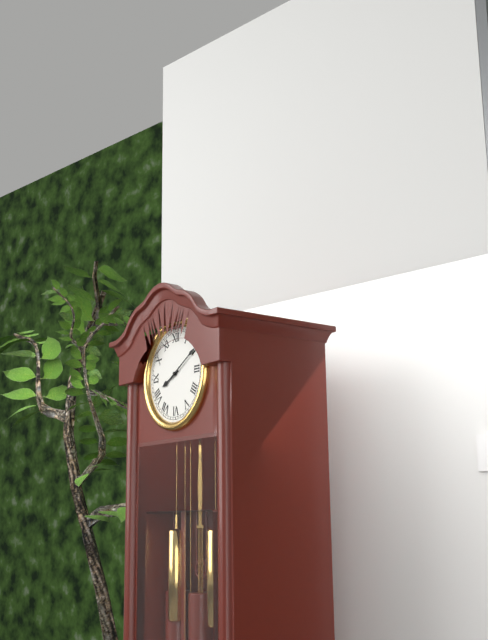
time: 8:10
